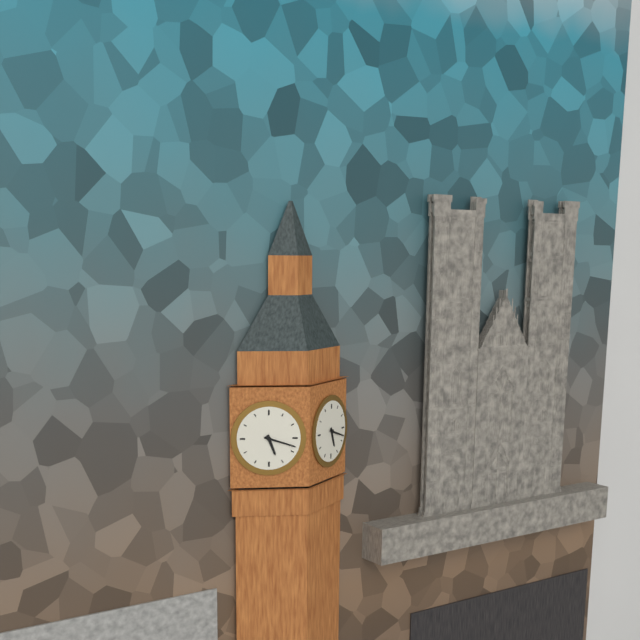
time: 5:18
